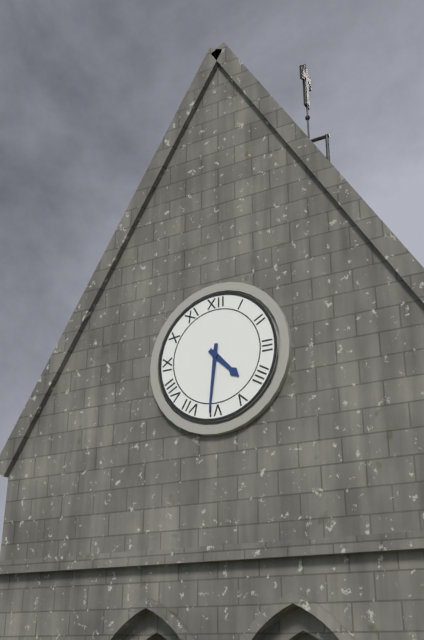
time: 4:31
